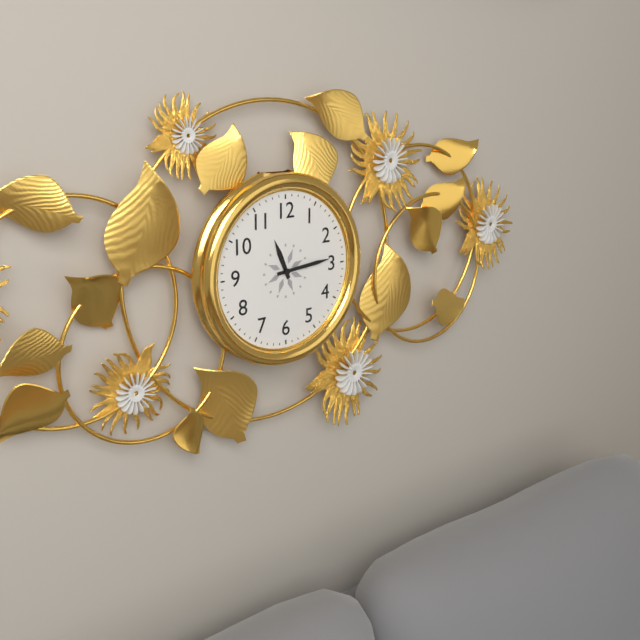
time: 11:14
